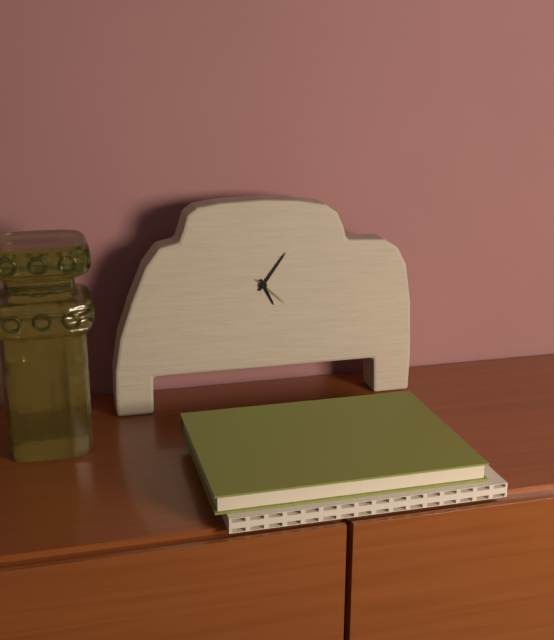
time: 5:06
